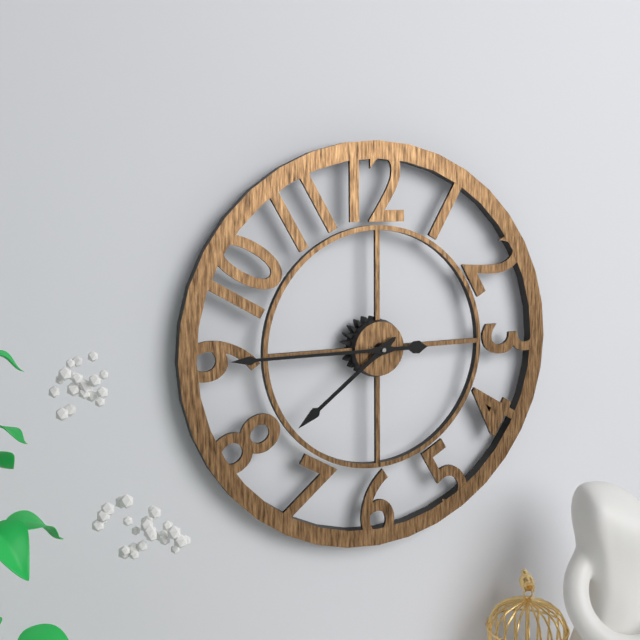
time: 7:45
